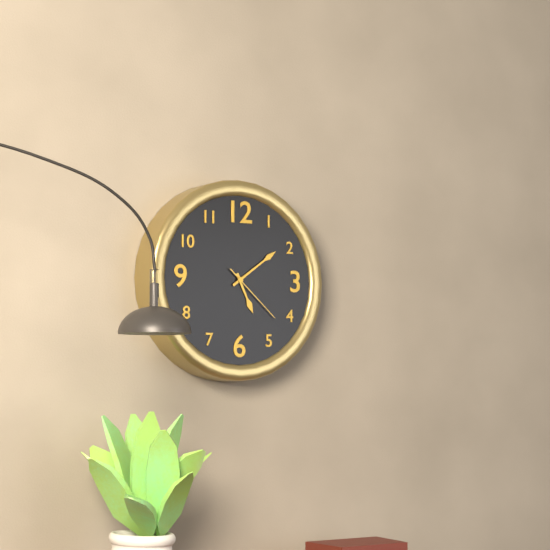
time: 5:09:22
